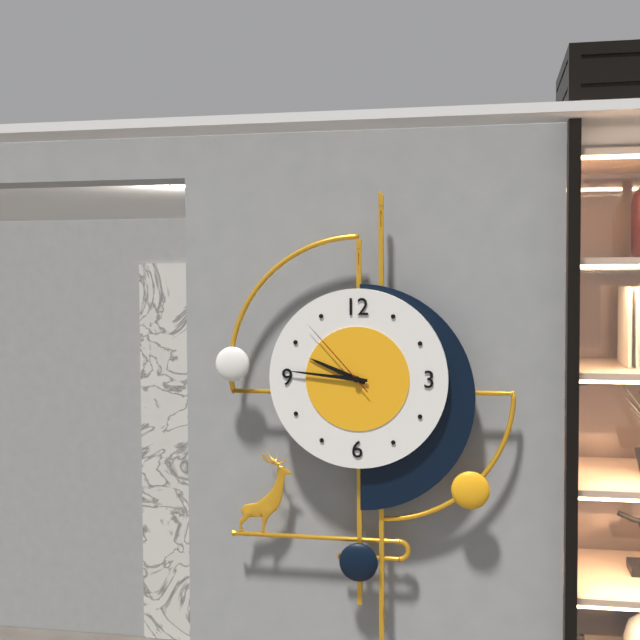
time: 9:46:53
